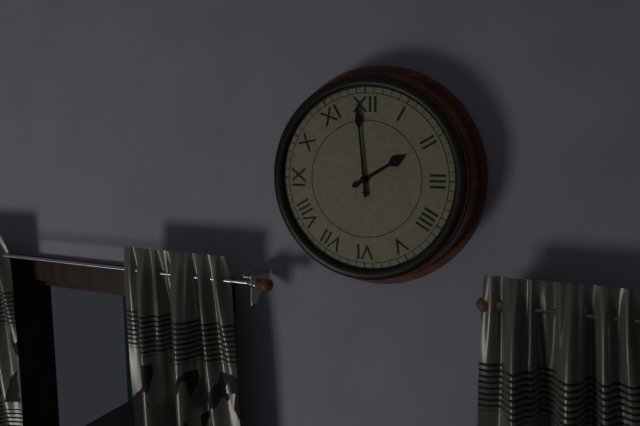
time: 1:59
